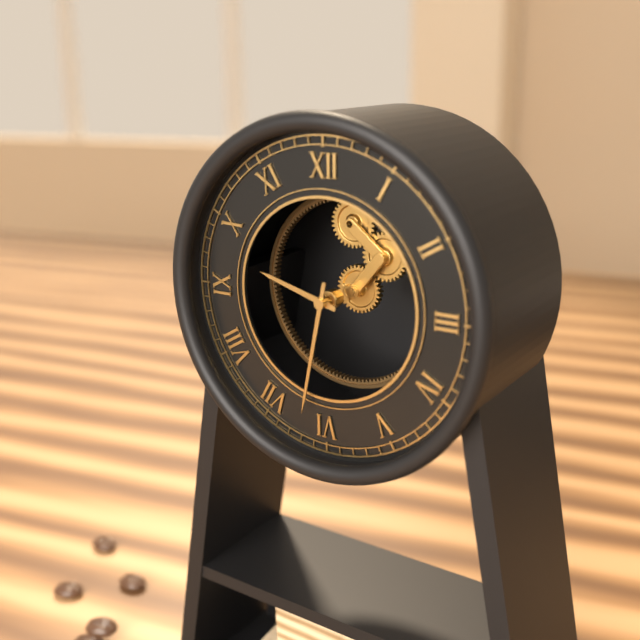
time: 9:32
